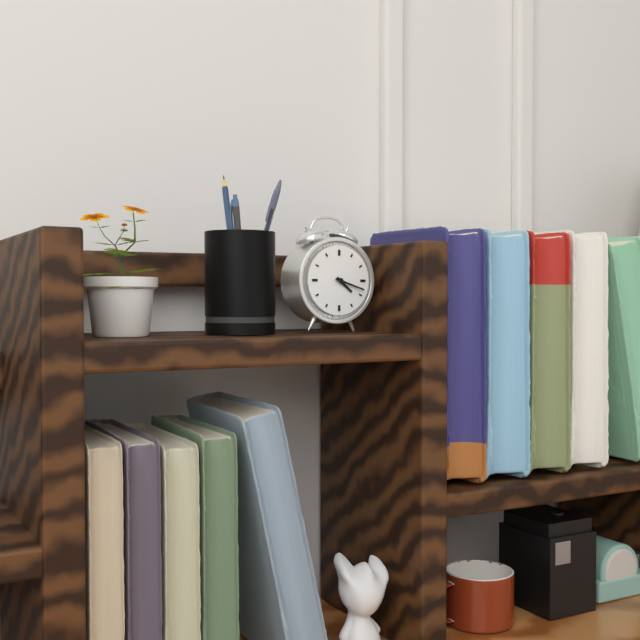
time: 4:18
